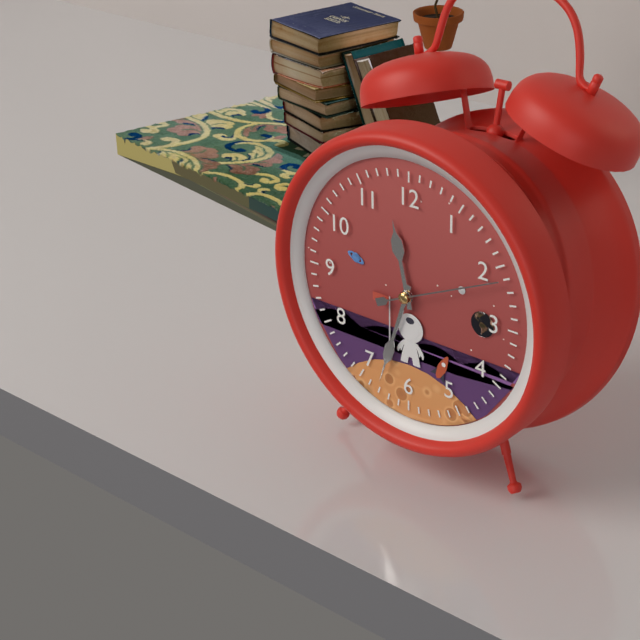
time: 11:33:11
